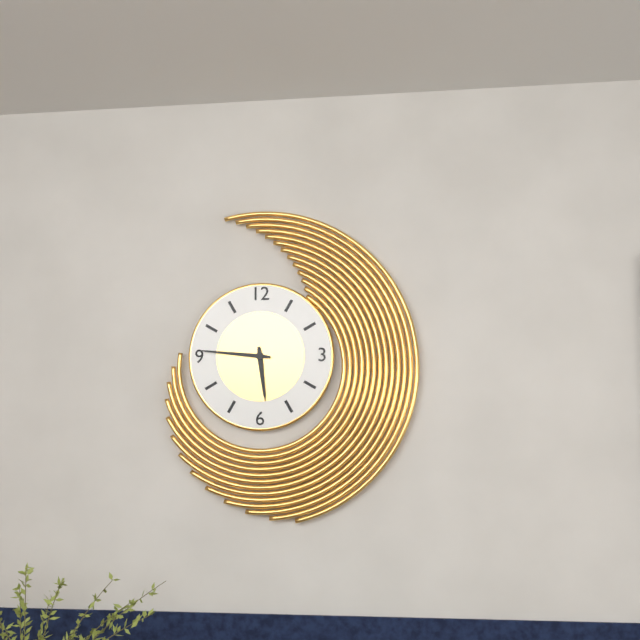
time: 5:46
